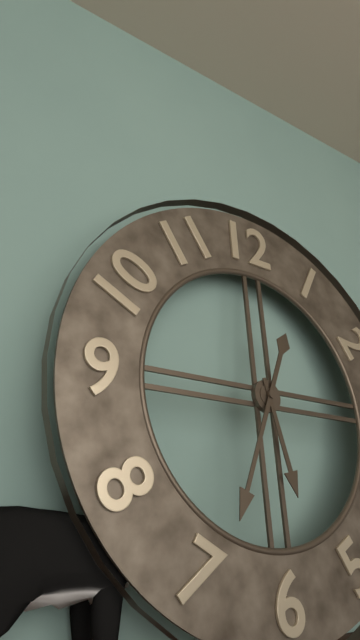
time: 5:34
